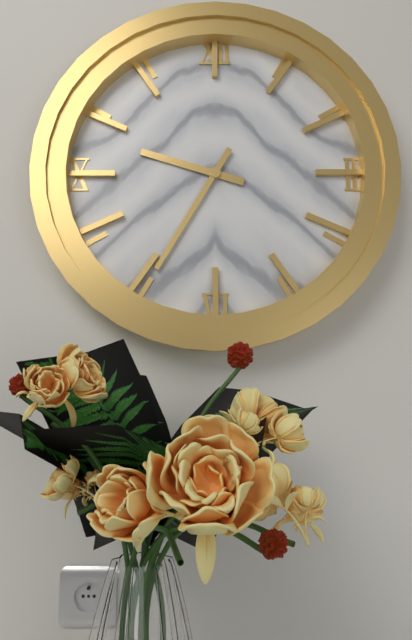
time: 9:35
